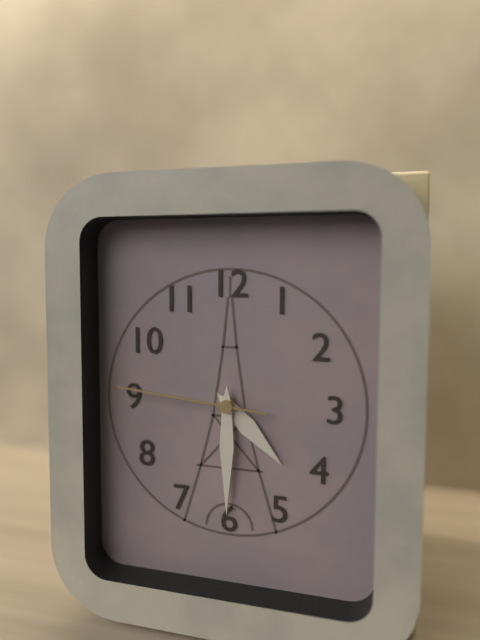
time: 4:30:46
